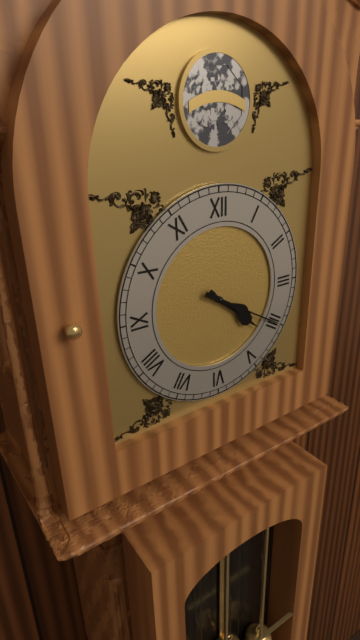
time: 4:20
